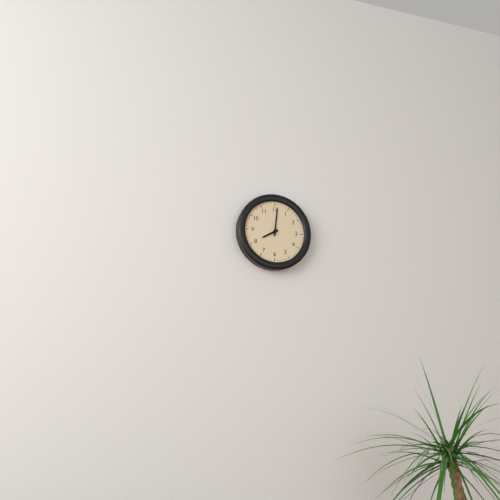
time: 8:01
